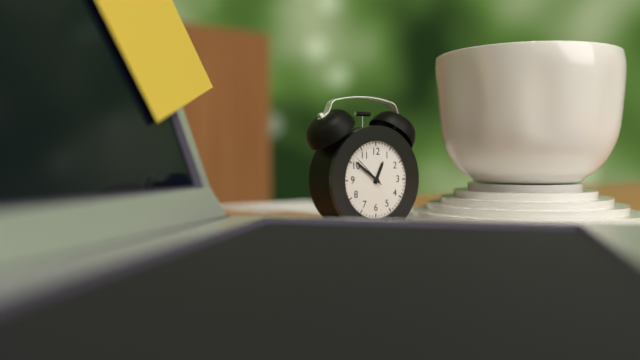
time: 12:51
